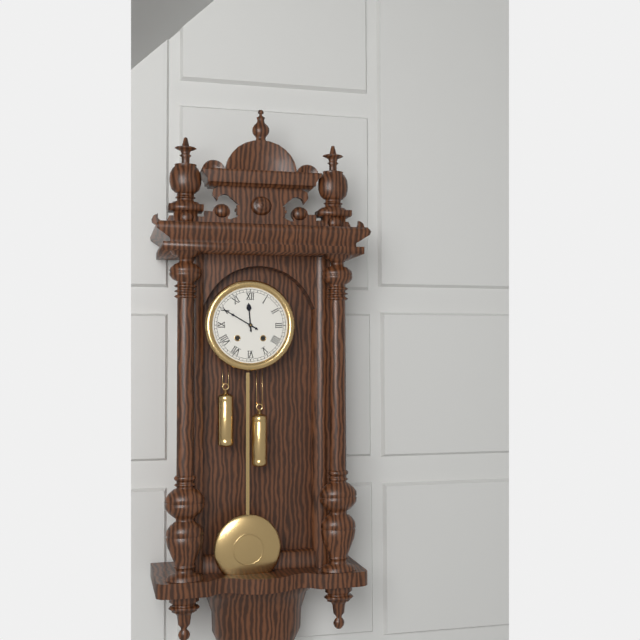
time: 11:50
